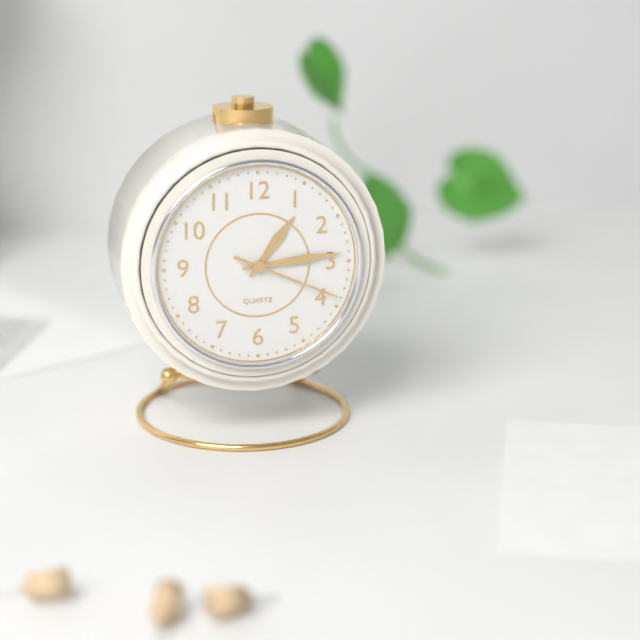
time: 1:14:19
